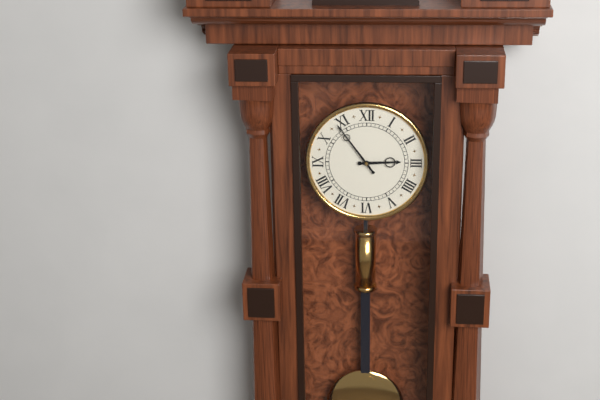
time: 2:54
